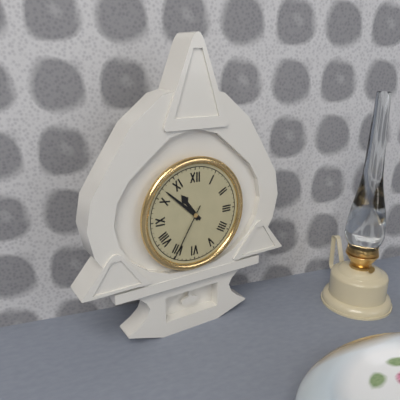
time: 10:52:35
